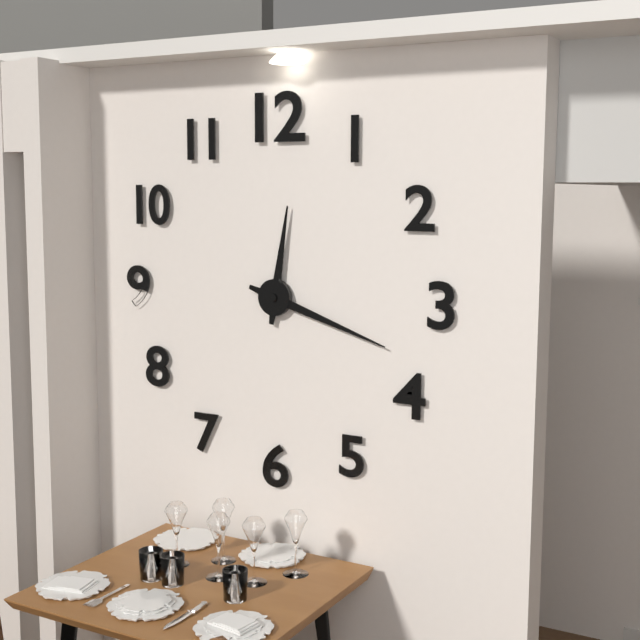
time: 12:18
